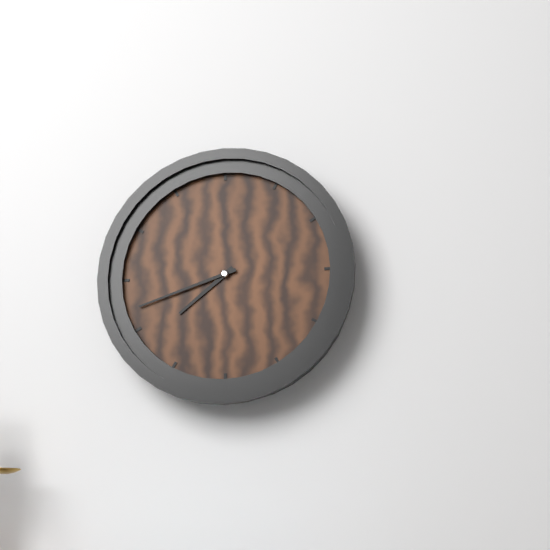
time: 7:42
